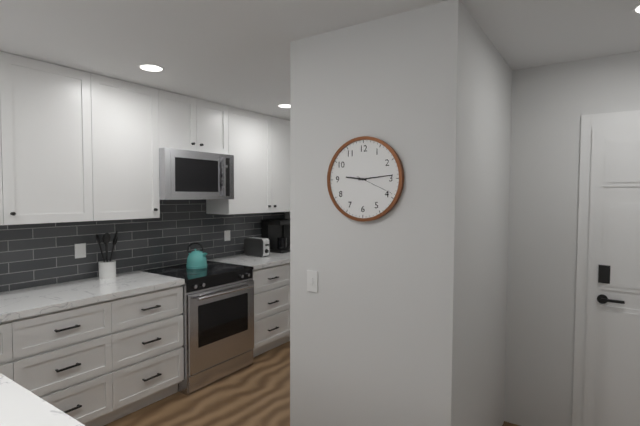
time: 9:14
